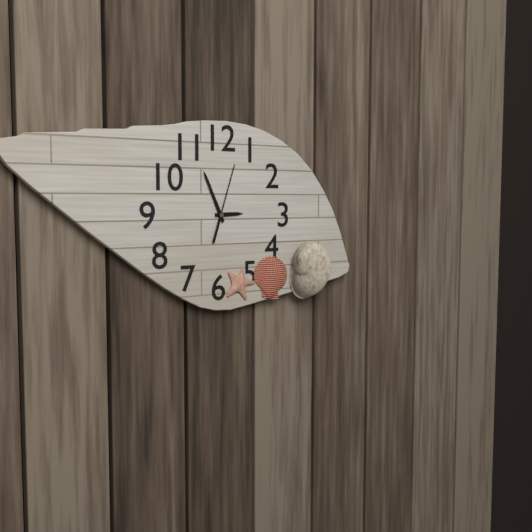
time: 2:56:03
